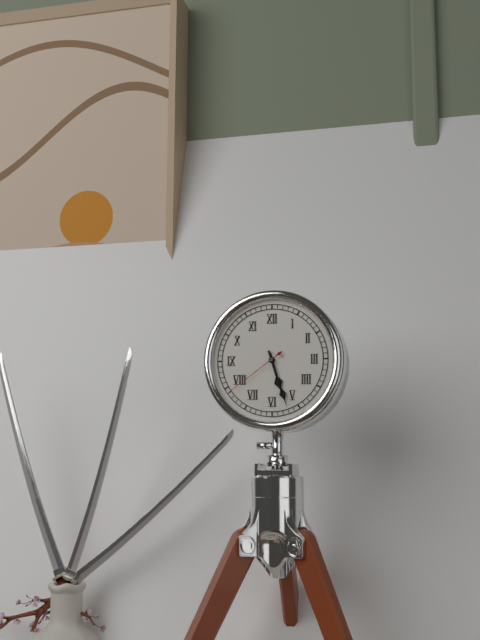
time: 5:27:39
